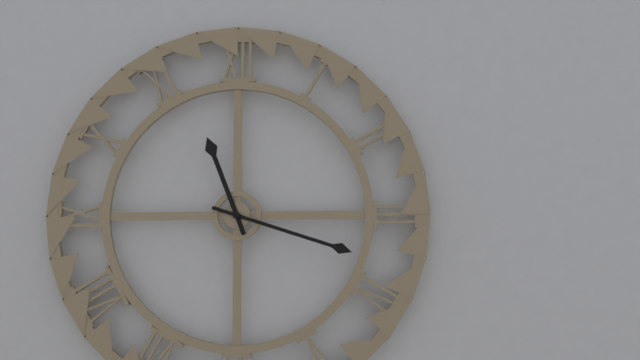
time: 11:18
